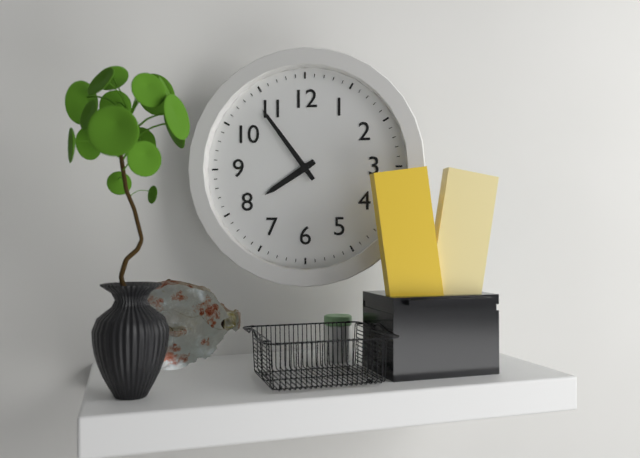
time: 7:54
